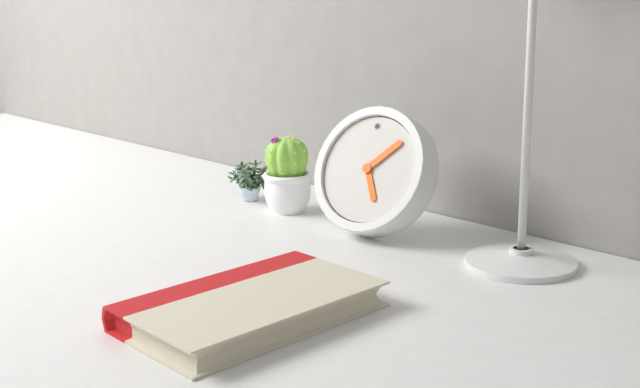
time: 5:08
